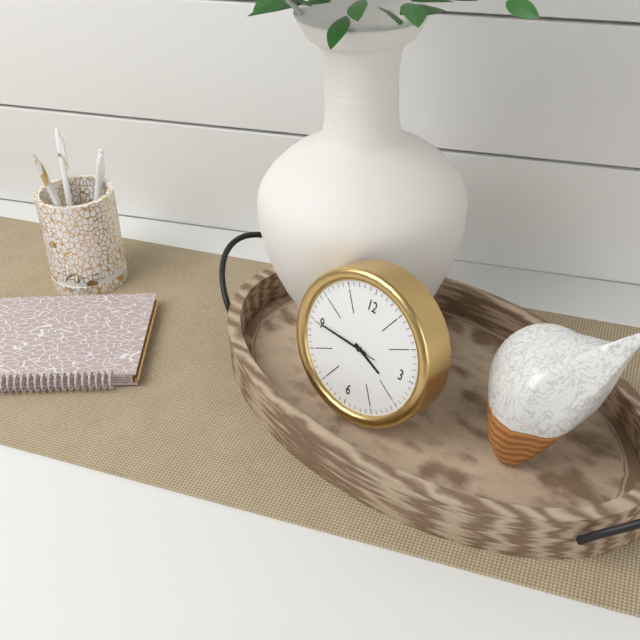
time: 3:45:45
